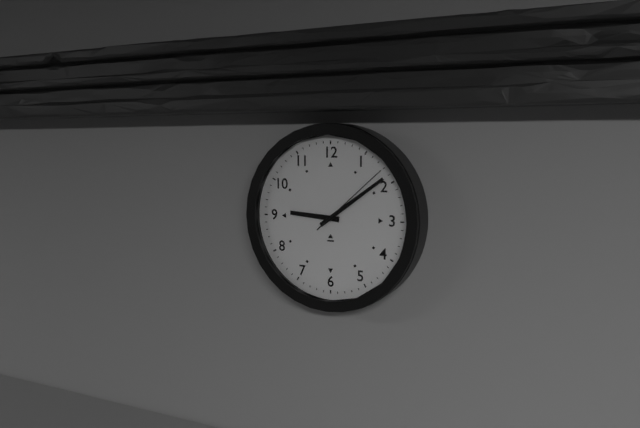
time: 9:09:08
